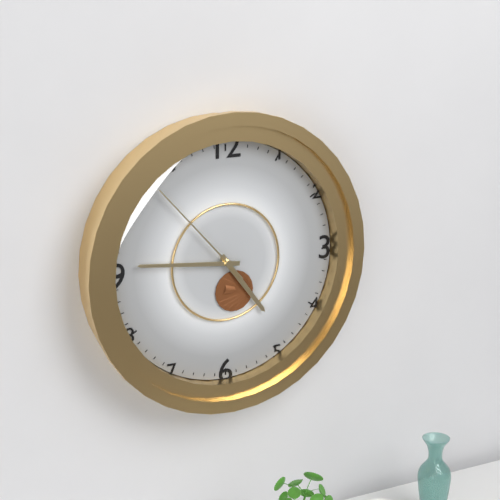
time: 4:46:53
